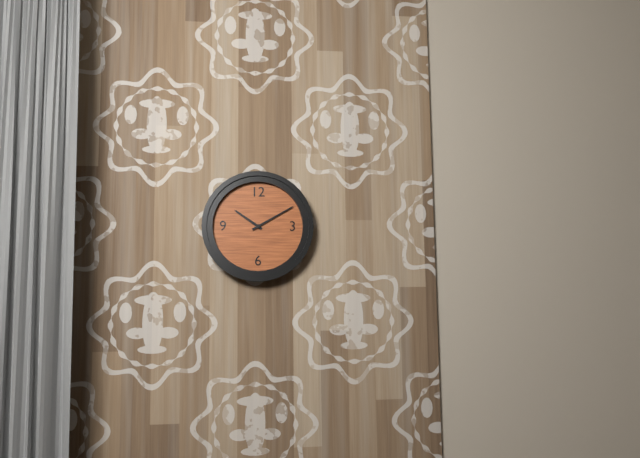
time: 10:10
